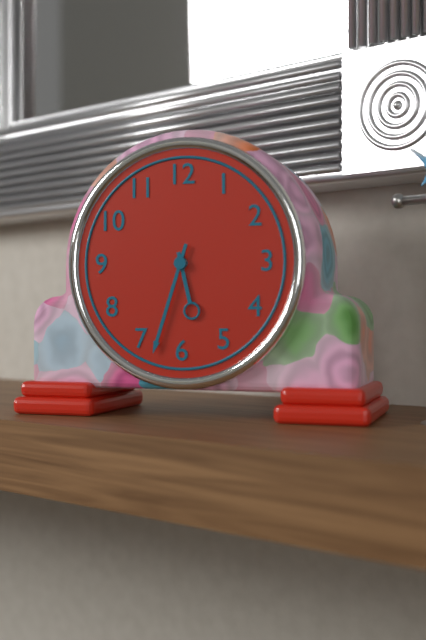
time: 5:33
